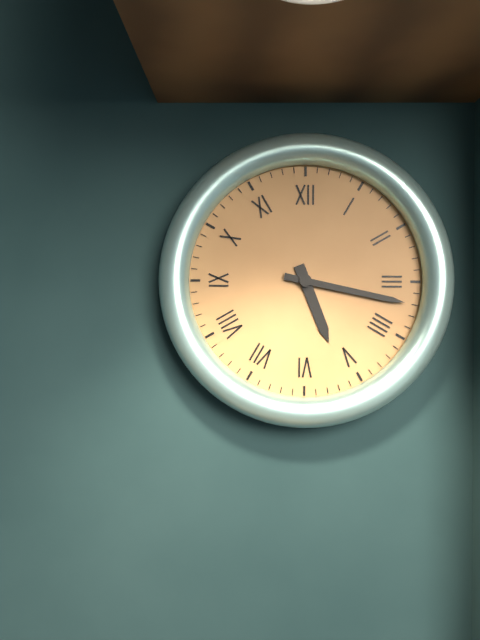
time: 5:17
